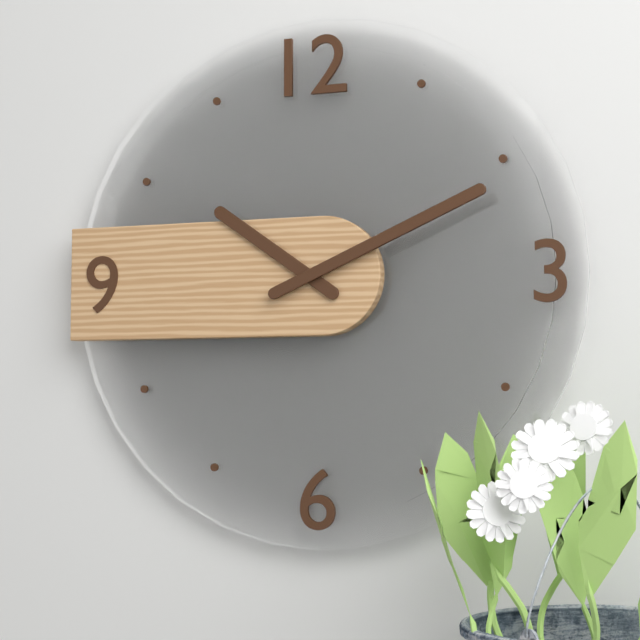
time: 10:11
